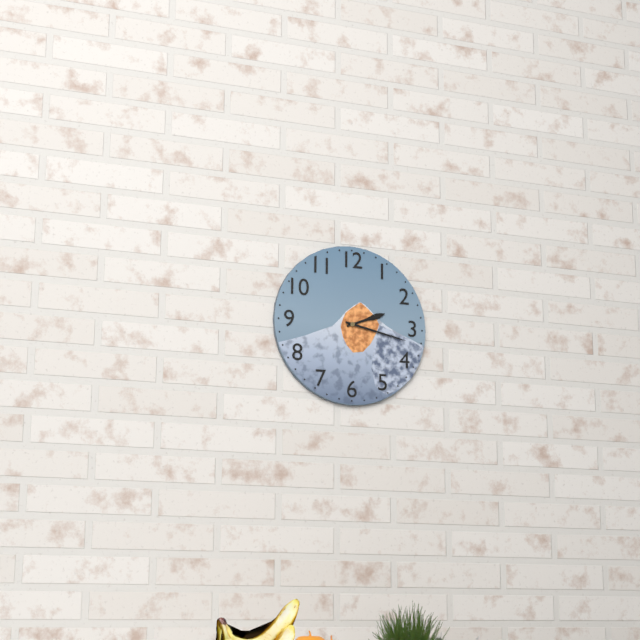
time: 2:17
